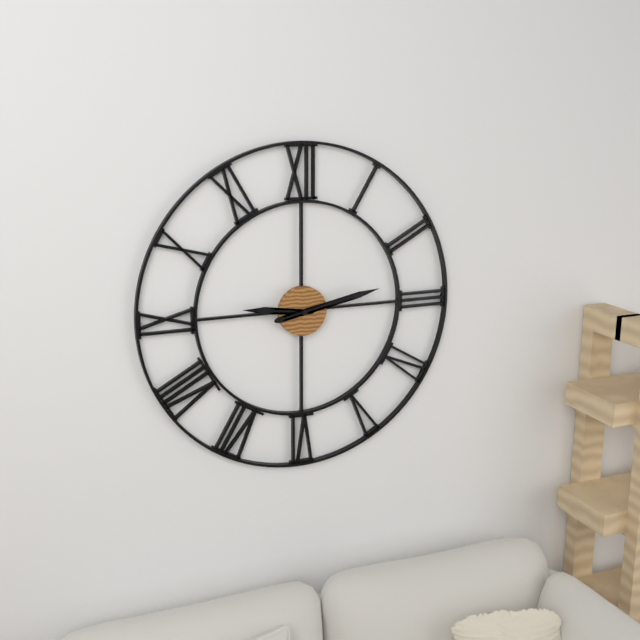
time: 9:13
